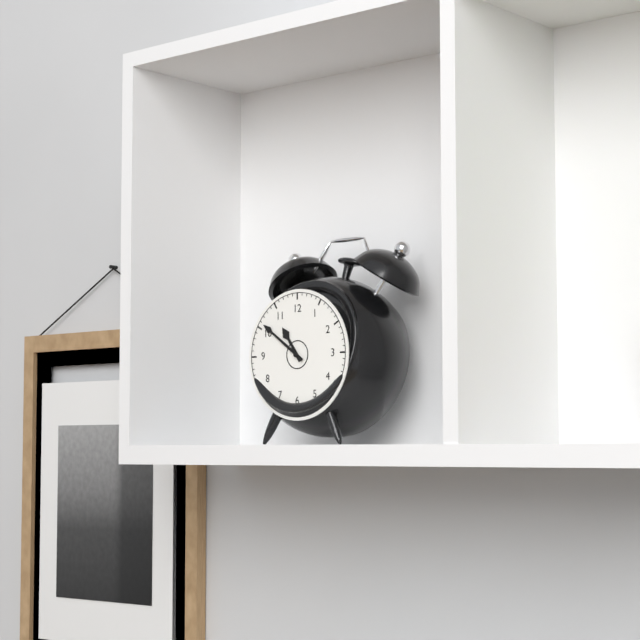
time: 10:51
